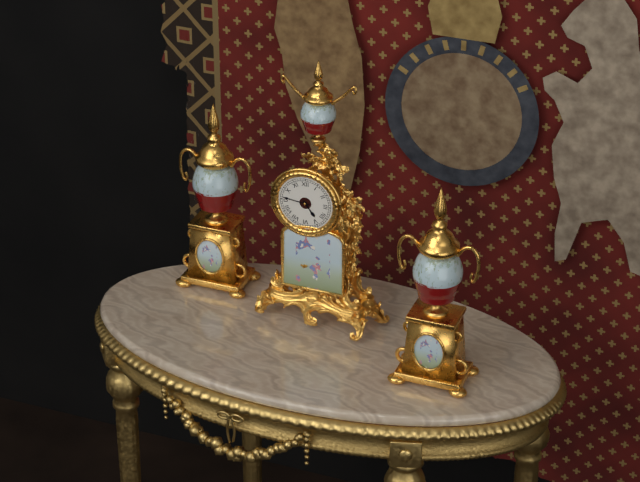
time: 4:46
